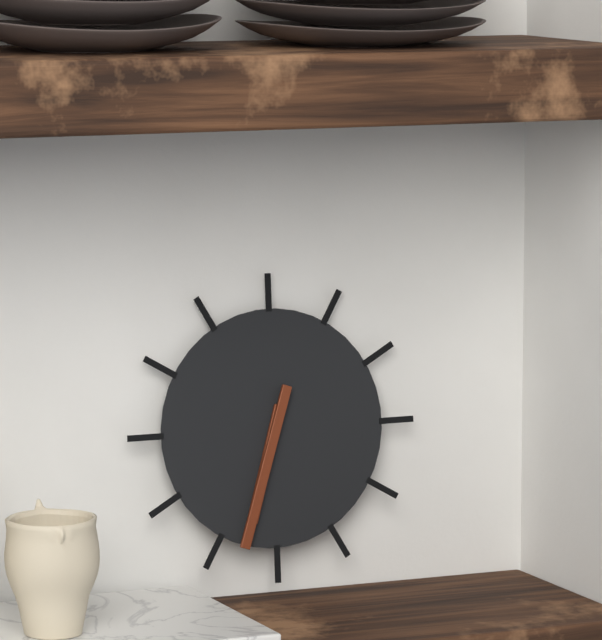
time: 6:33
